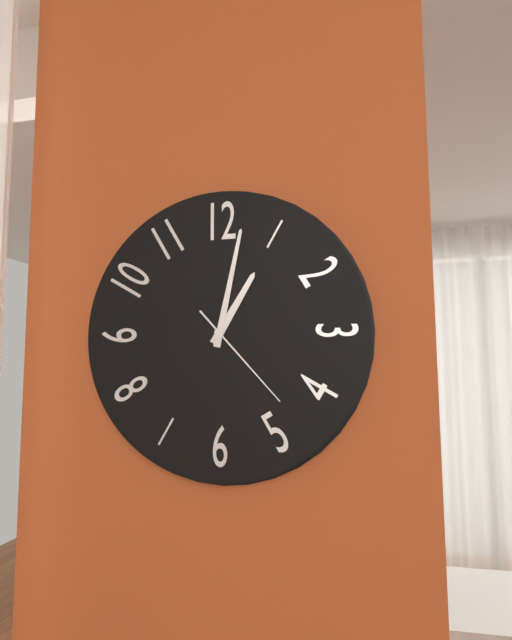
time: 1:02:23
